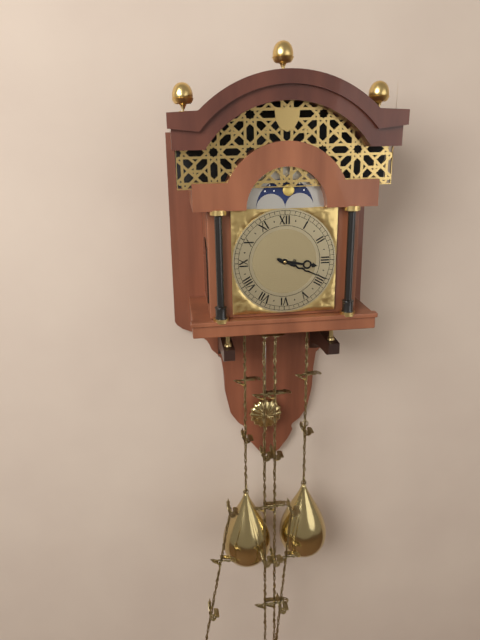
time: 3:19
